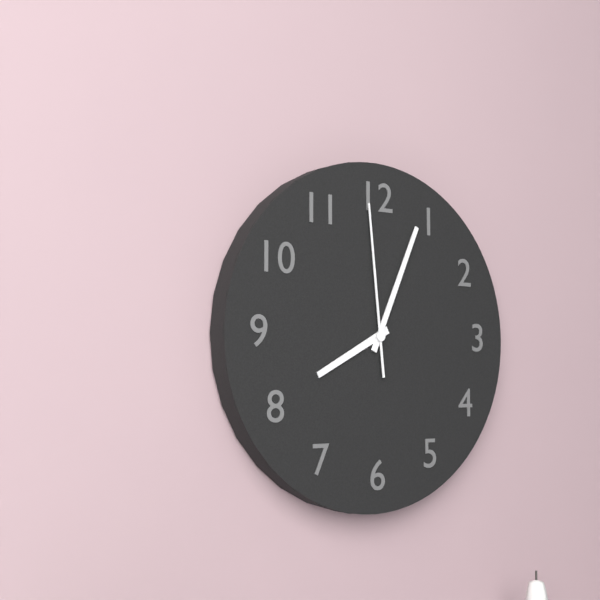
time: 8:04:59
